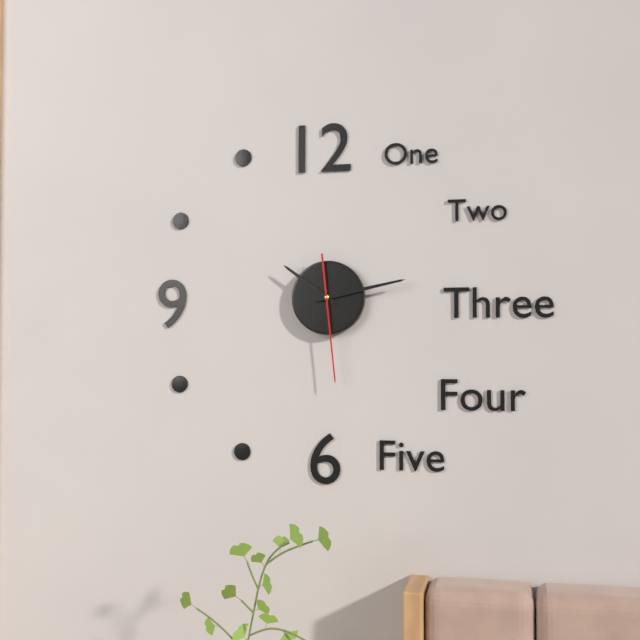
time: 10:13:29
